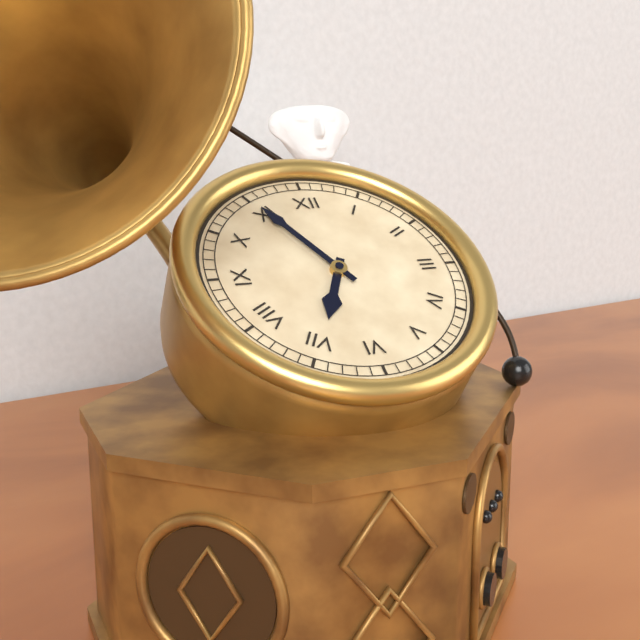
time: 6:55
